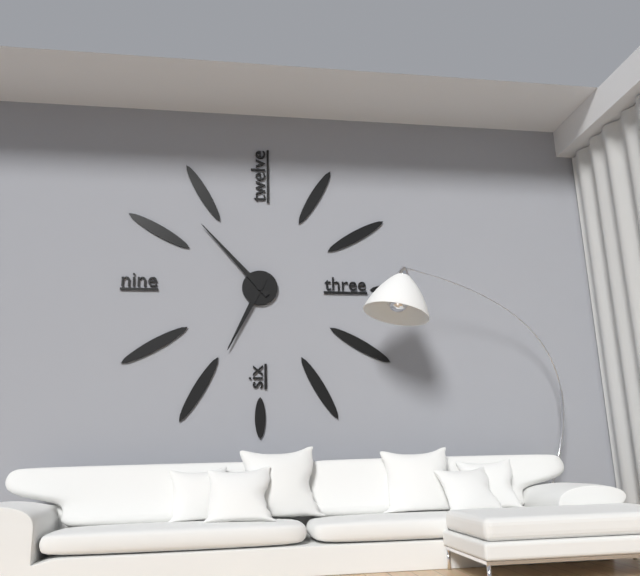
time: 6:53
